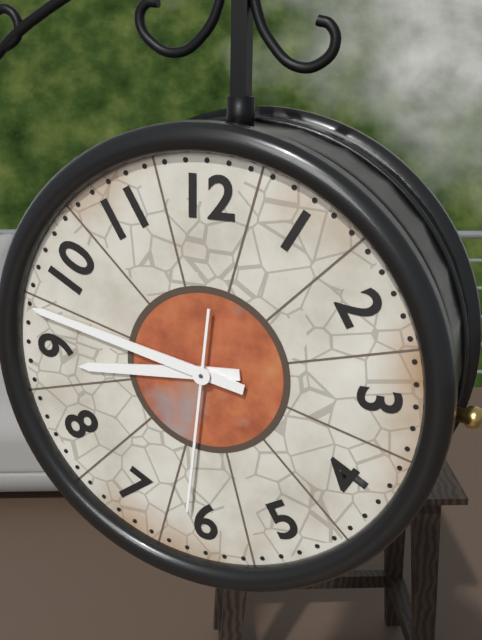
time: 8:47:31
